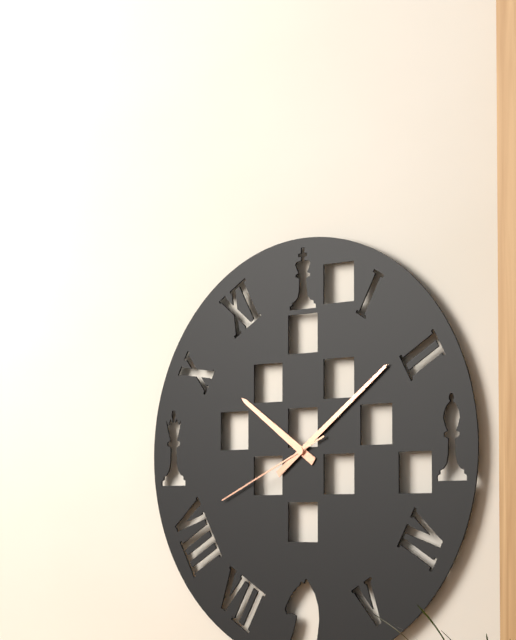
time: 10:09:41
